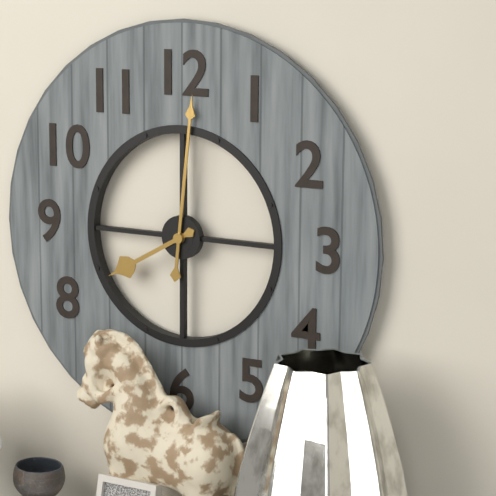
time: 8:01
